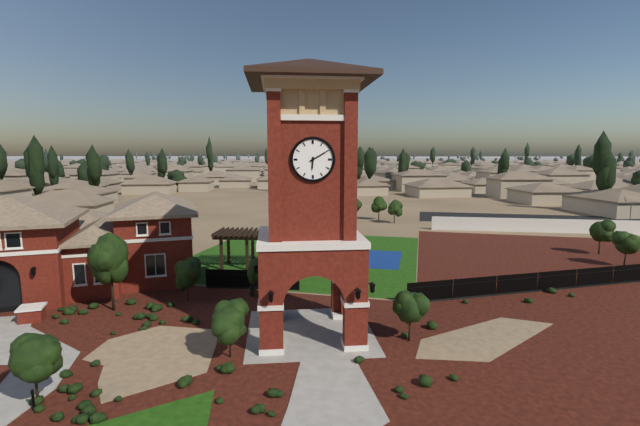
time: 6:10
